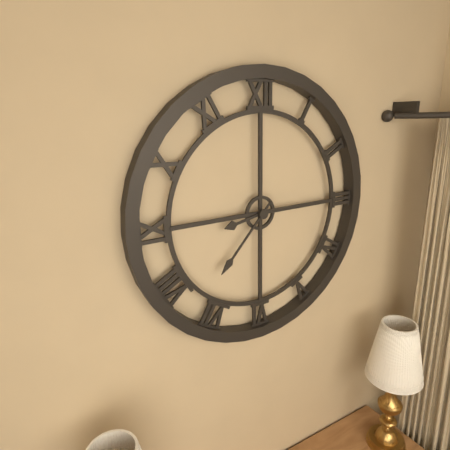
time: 8:37
